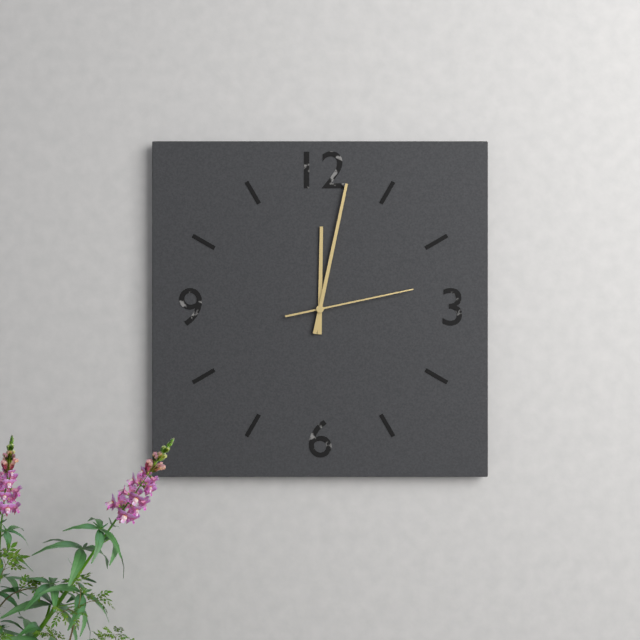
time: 12:02:13
